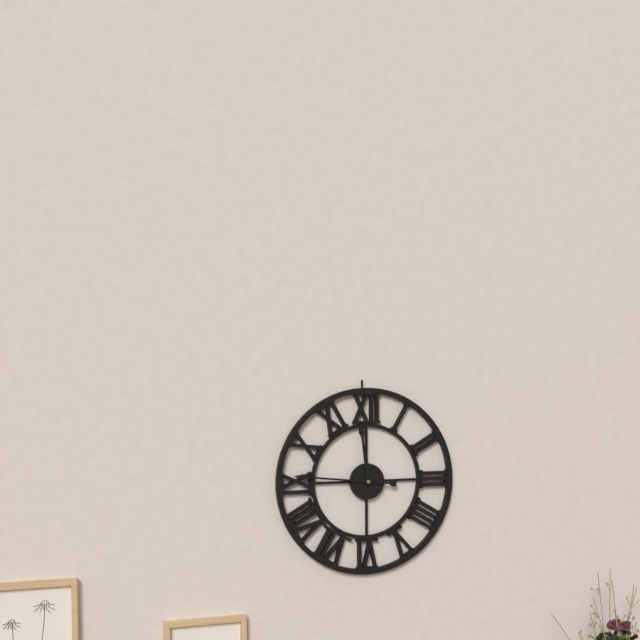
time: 11:46
